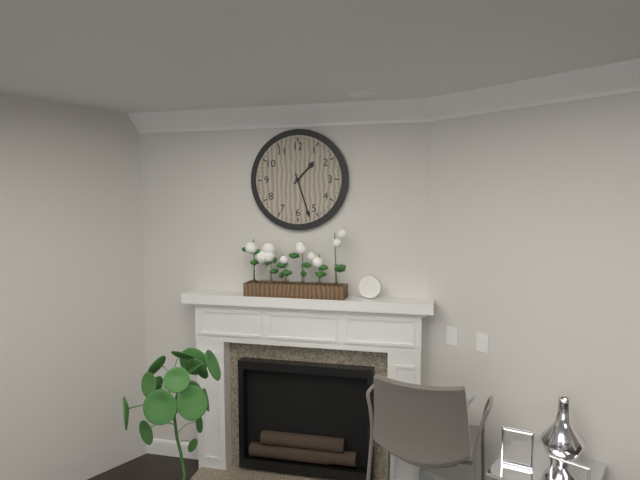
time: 1:27
